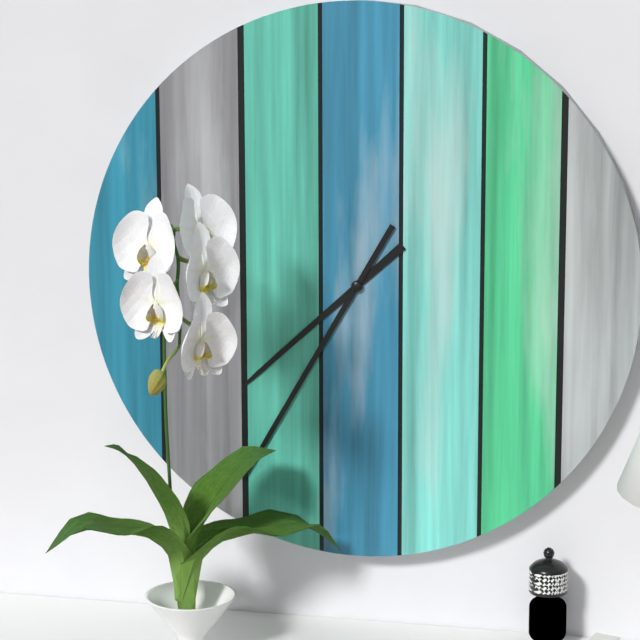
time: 7:35
